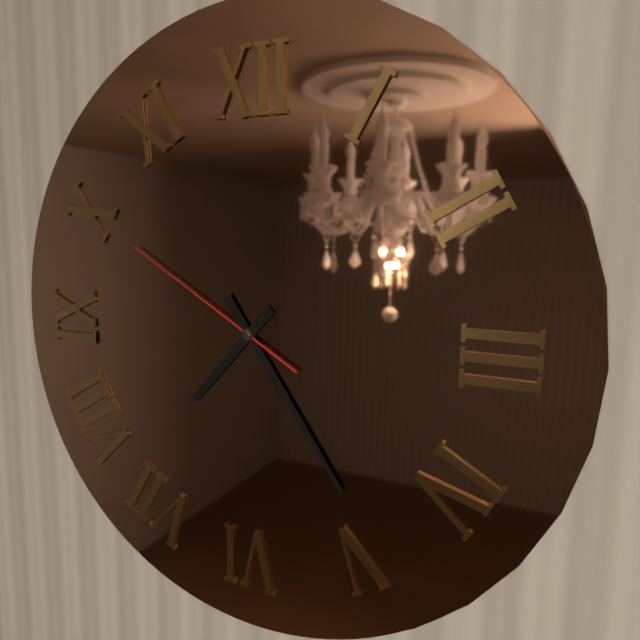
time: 7:24:50
